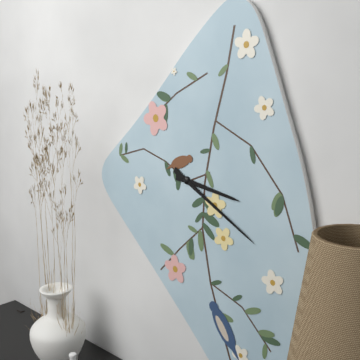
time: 3:20
